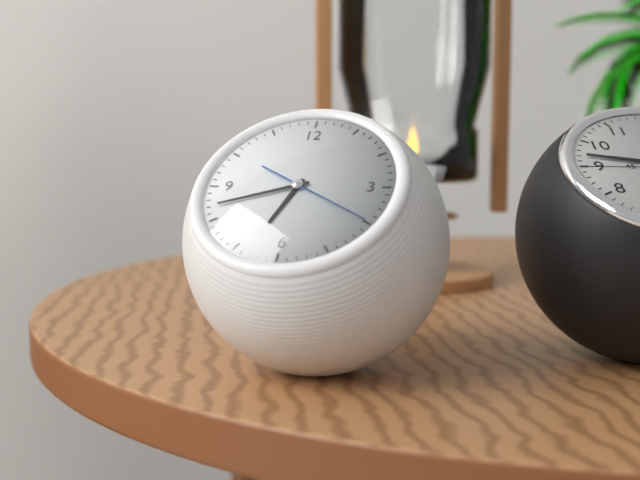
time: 6:42:20
